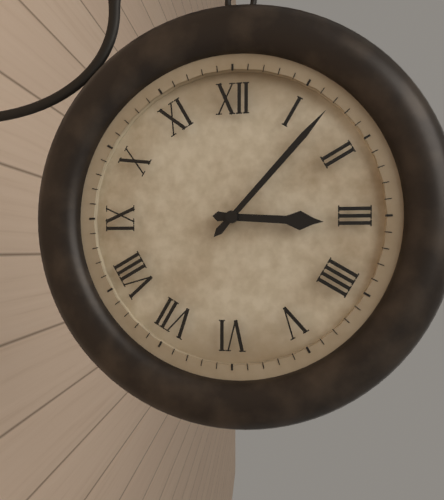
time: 3:07
